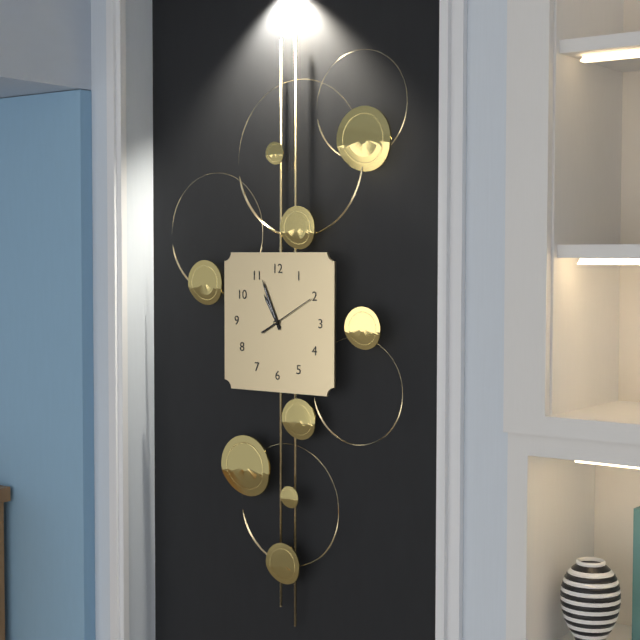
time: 10:56:10
